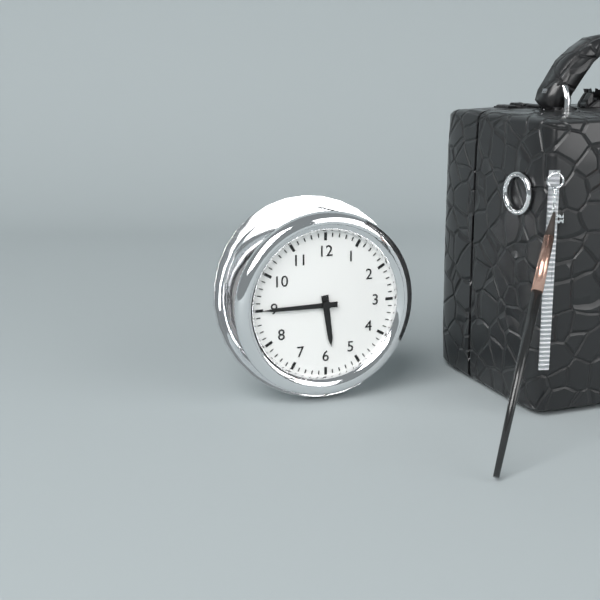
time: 5:45
